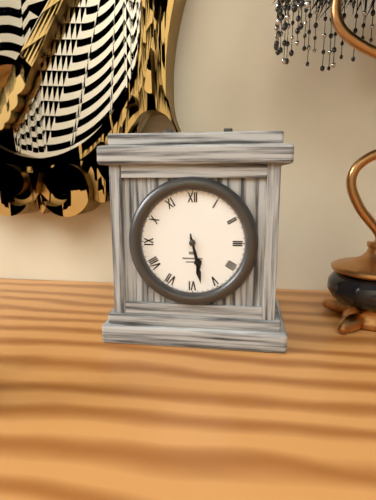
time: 5:28
